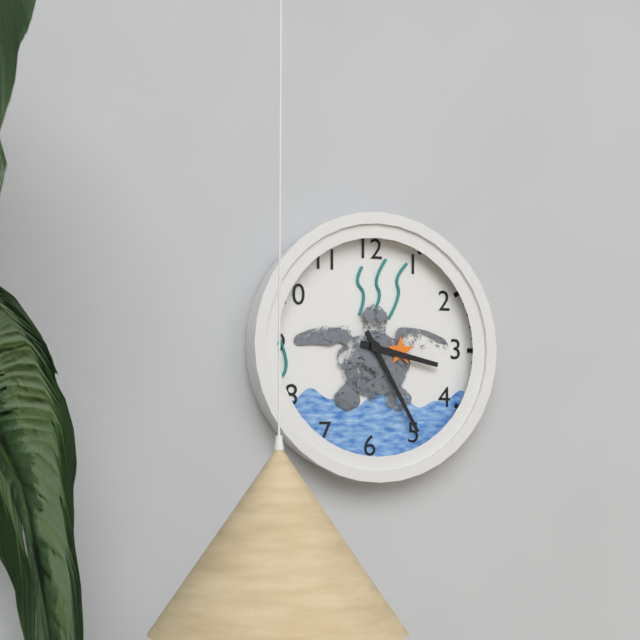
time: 3:25
